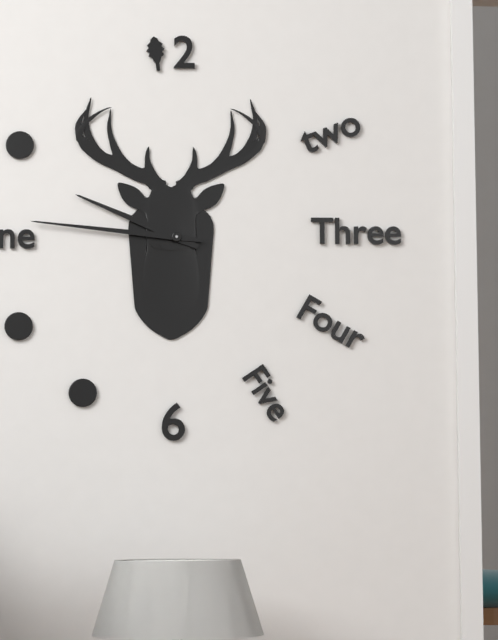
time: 9:46
